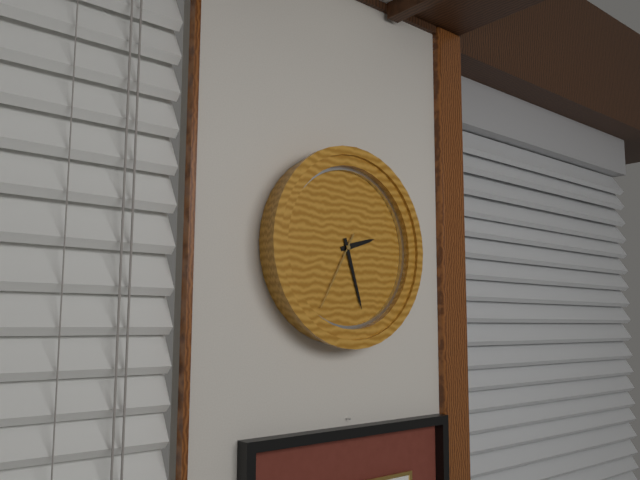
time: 2:27:35
